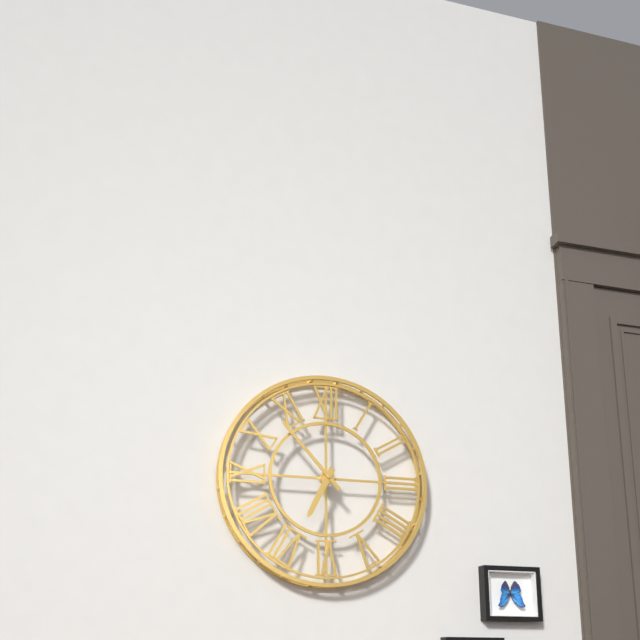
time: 6:53
